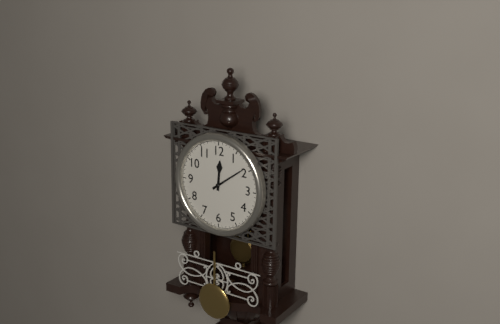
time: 12:09
